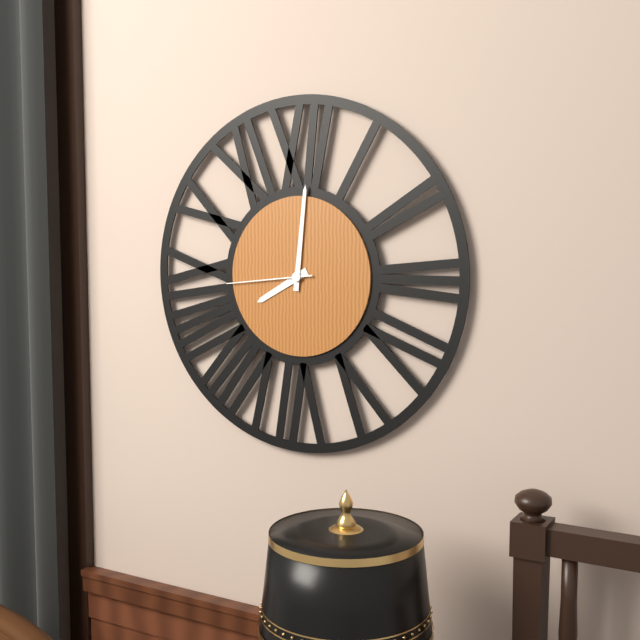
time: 8:01:44
